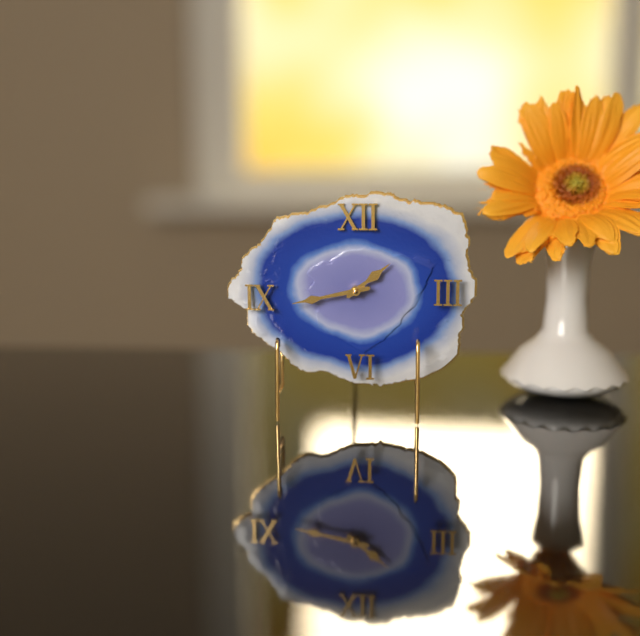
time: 1:43
